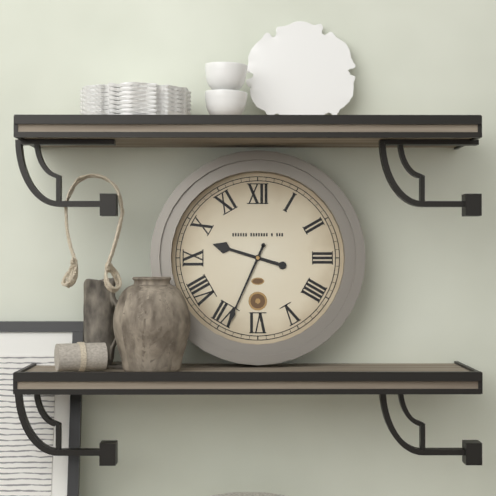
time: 9:34
